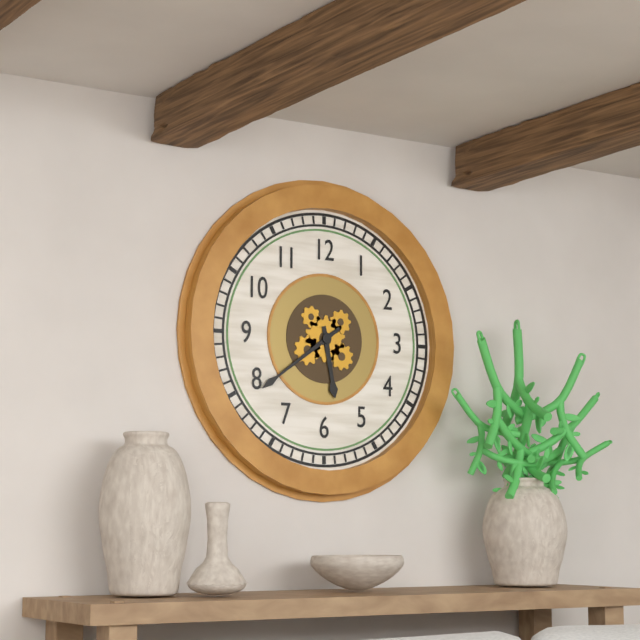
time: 5:39
